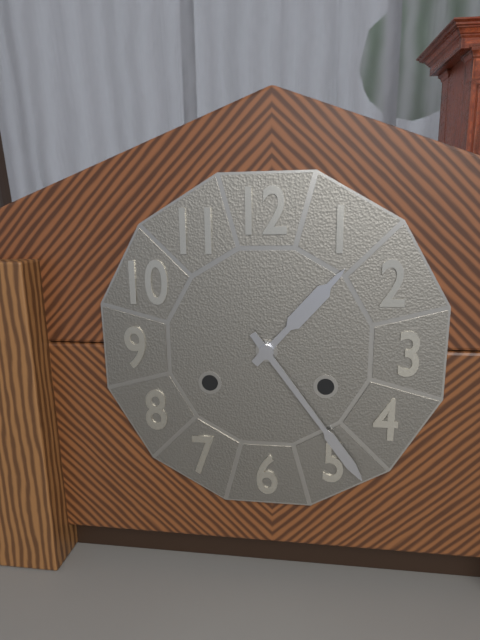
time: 1:24
